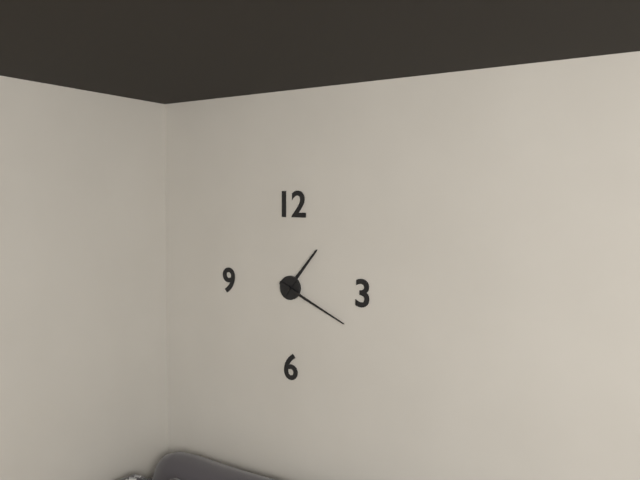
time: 1:19
